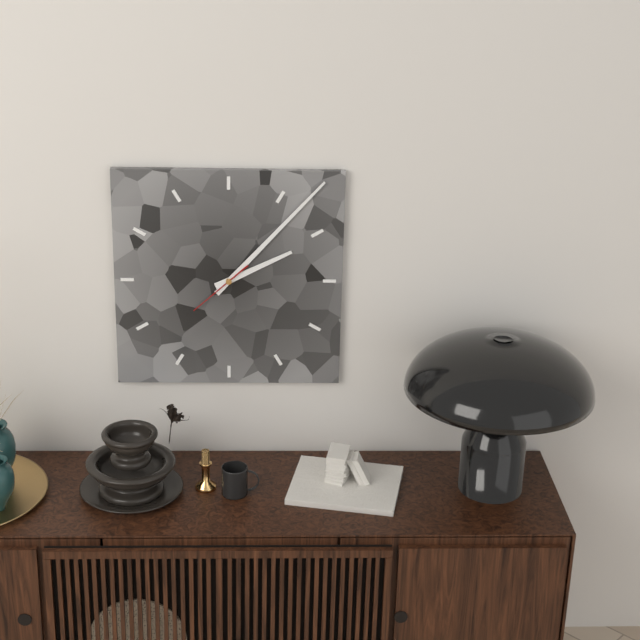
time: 2:07:38
